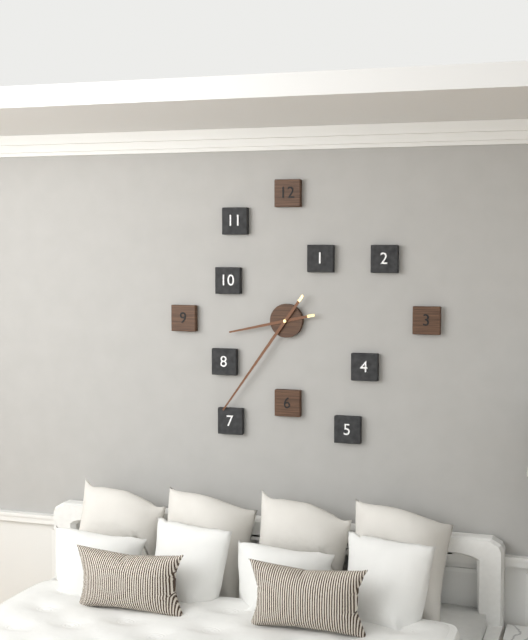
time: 8:36
